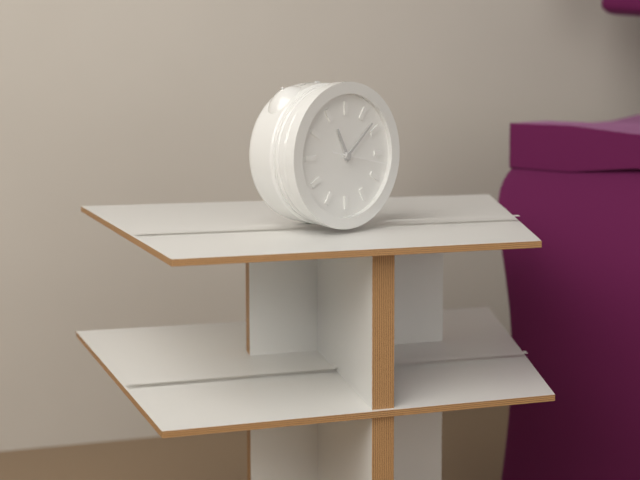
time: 11:08:17
